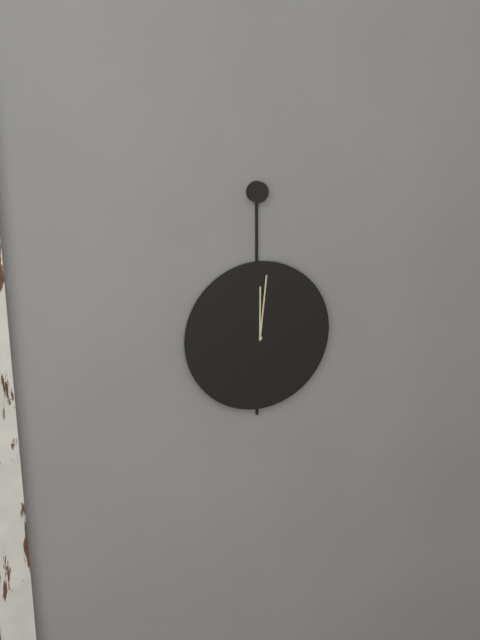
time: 12:01
